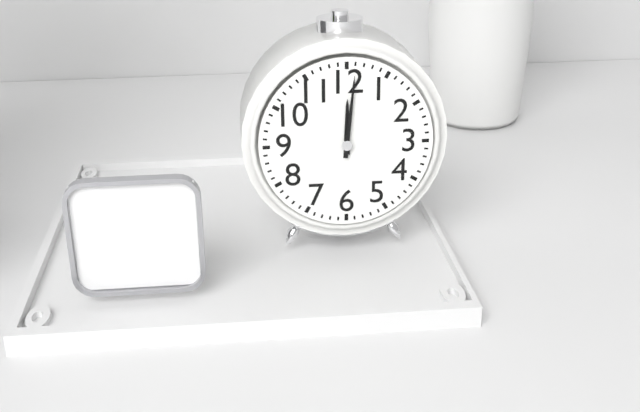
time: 12:01
